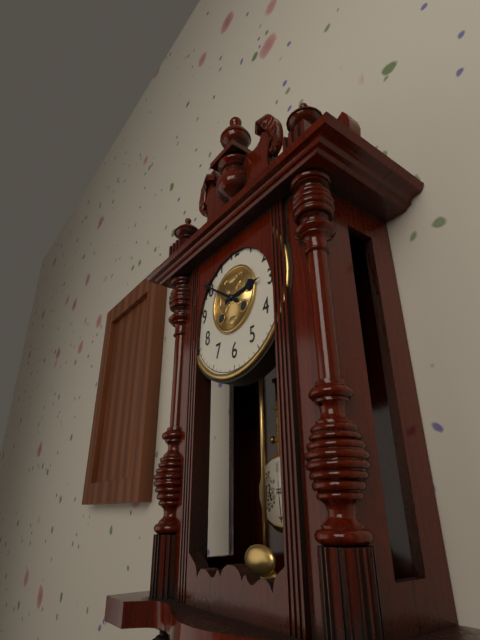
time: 2:51
